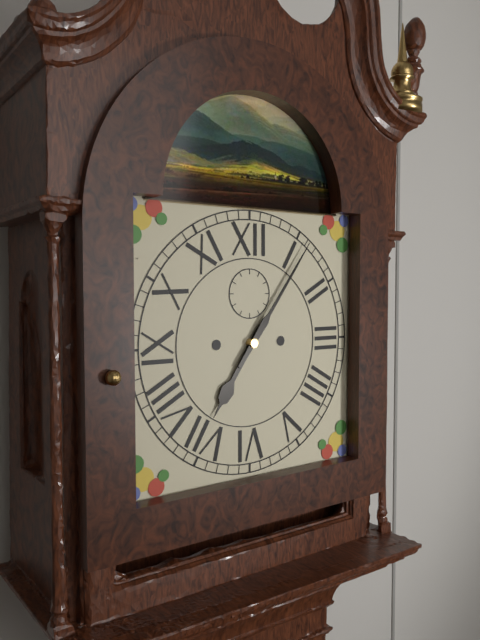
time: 7:06
